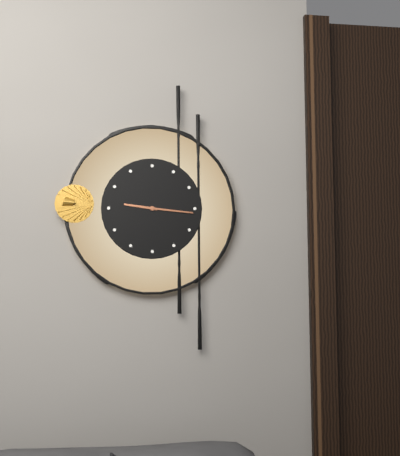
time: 9:16
